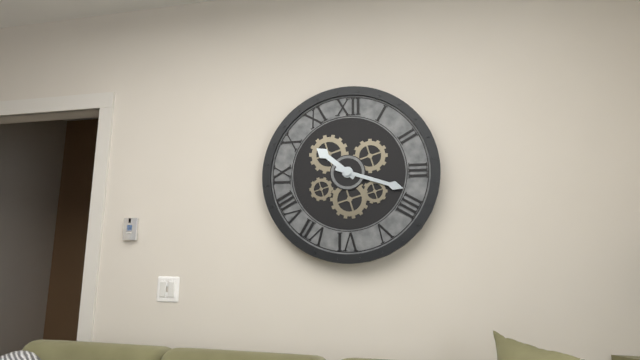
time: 10:18
